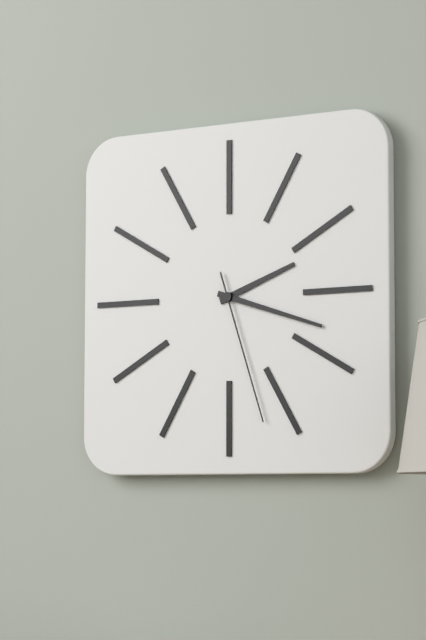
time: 2:18:27
